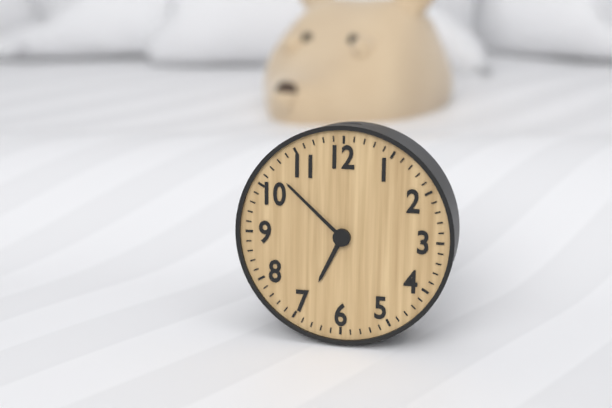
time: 6:52
